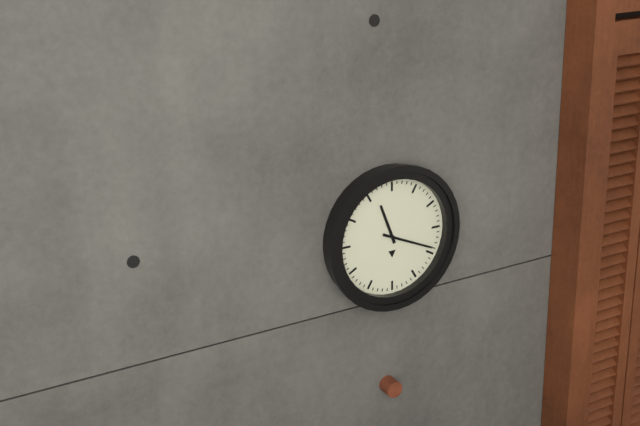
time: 11:19
